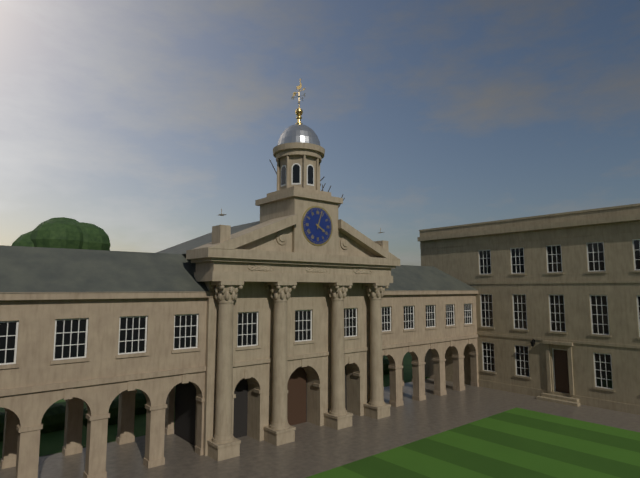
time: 4:03
